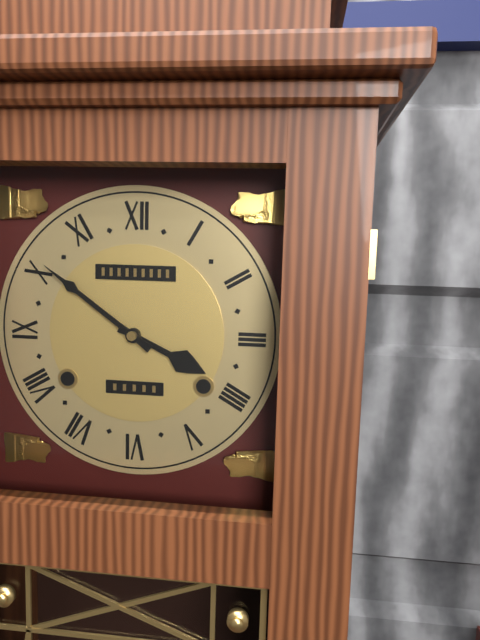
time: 3:51
